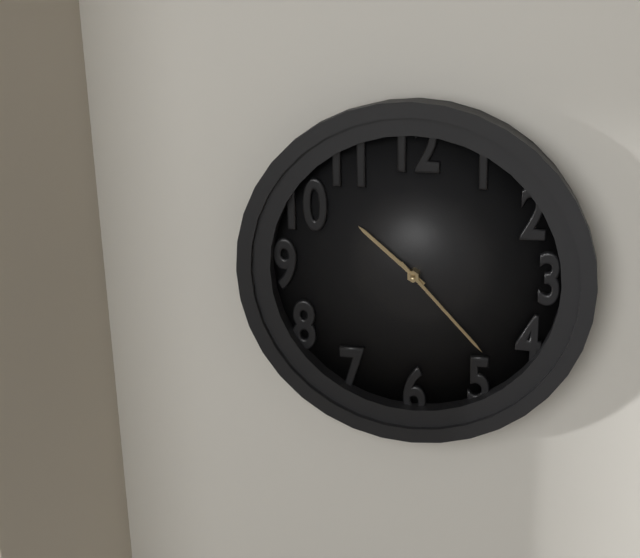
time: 10:23
